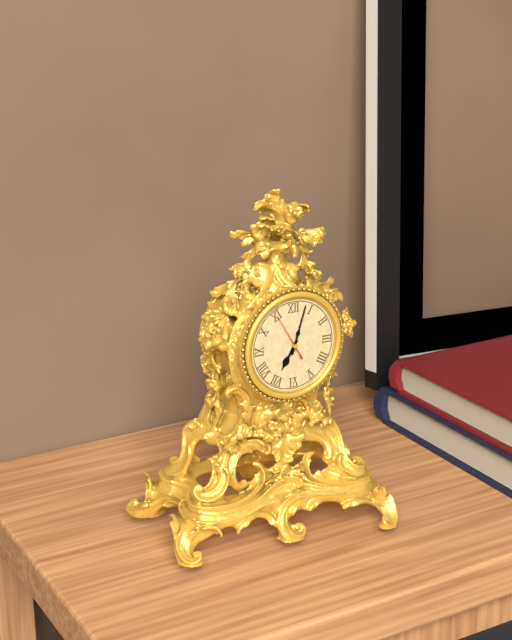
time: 7:03
